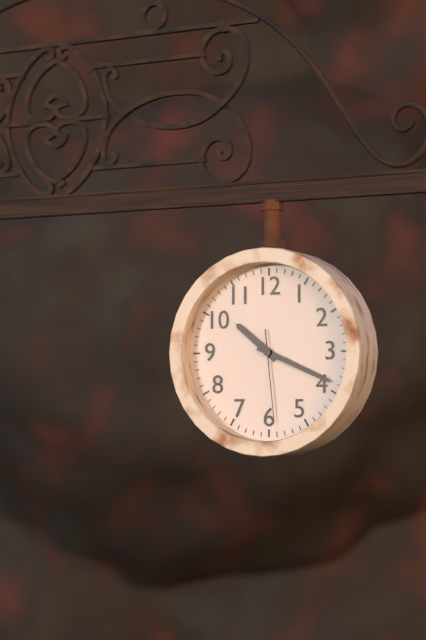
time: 10:19:29
